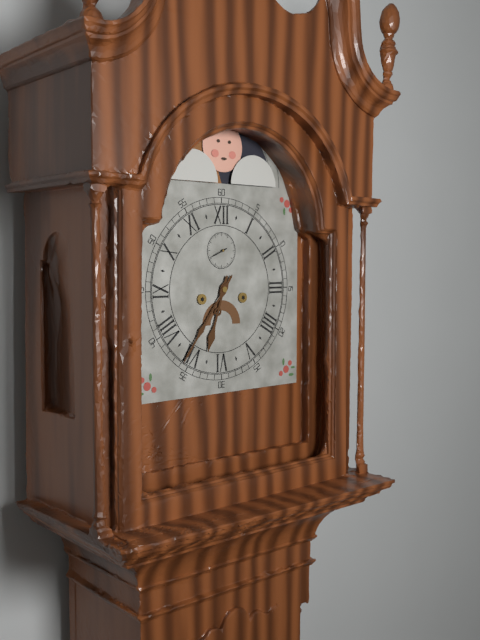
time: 6:36
